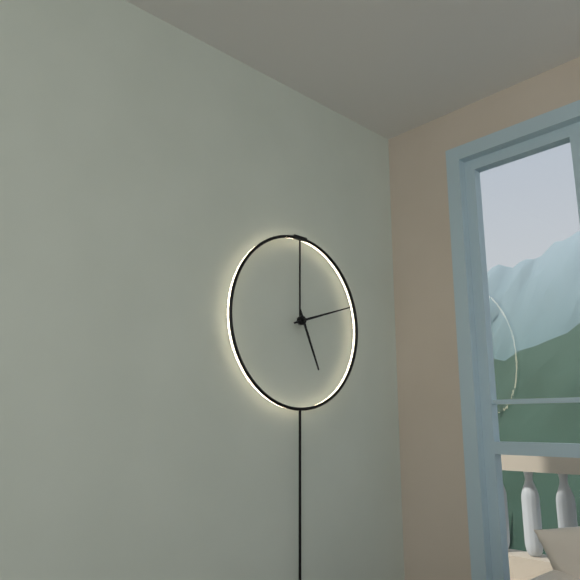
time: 5:12
